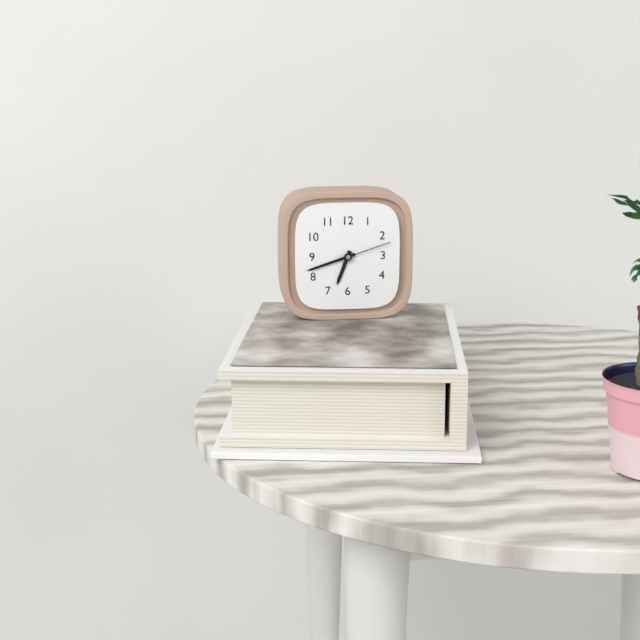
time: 6:42:12
